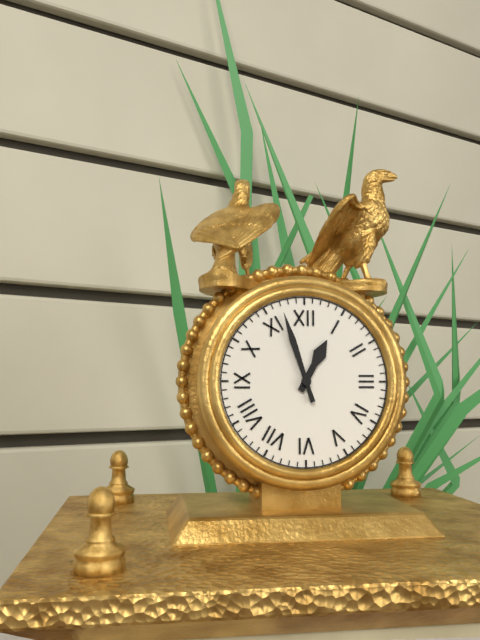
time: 12:57
